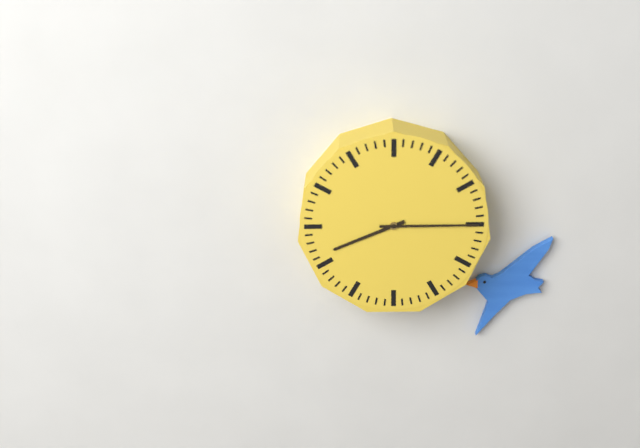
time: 8:15
